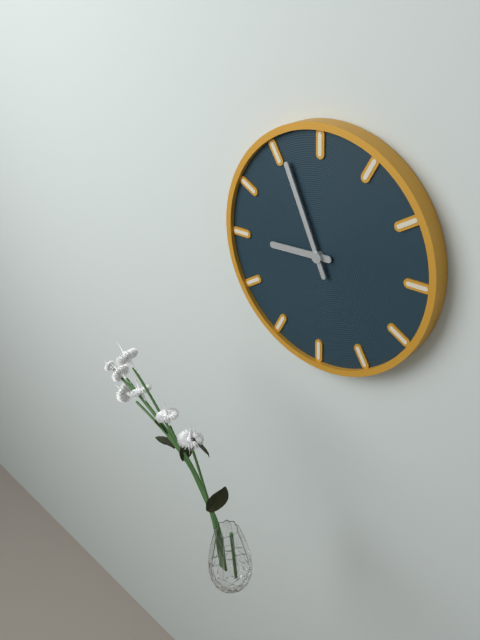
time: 8:56
